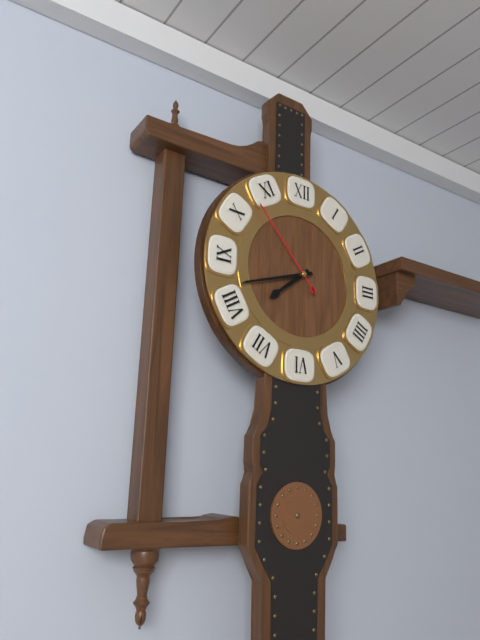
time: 7:42:53
